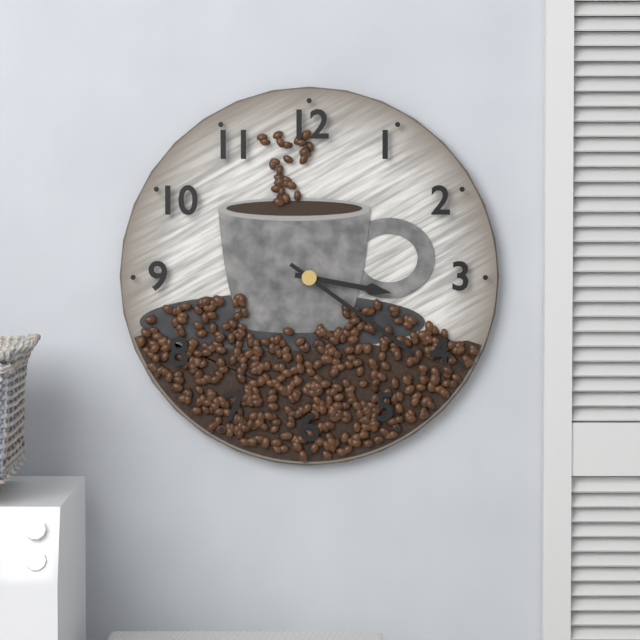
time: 3:21
